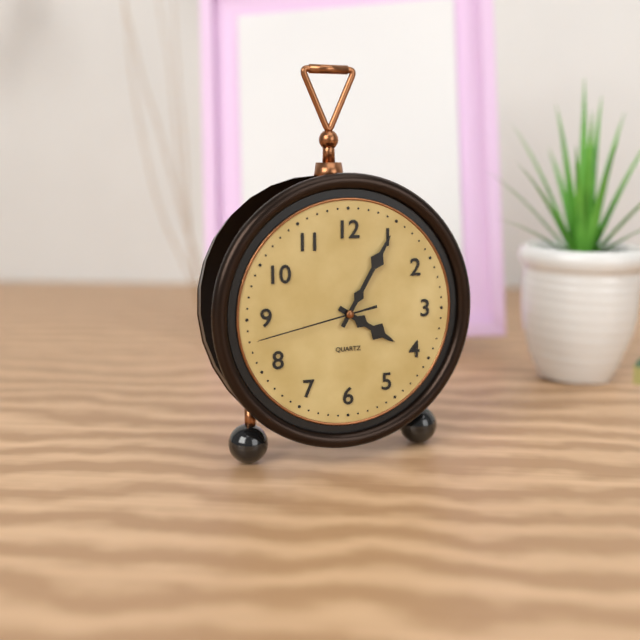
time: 4:05:43
